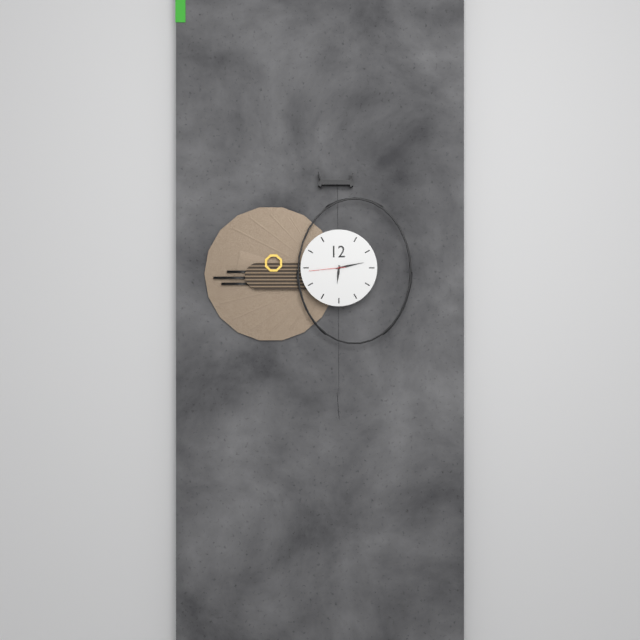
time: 6:13
